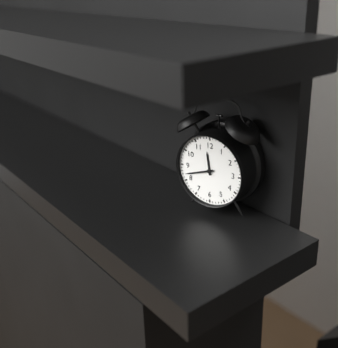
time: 11:42
